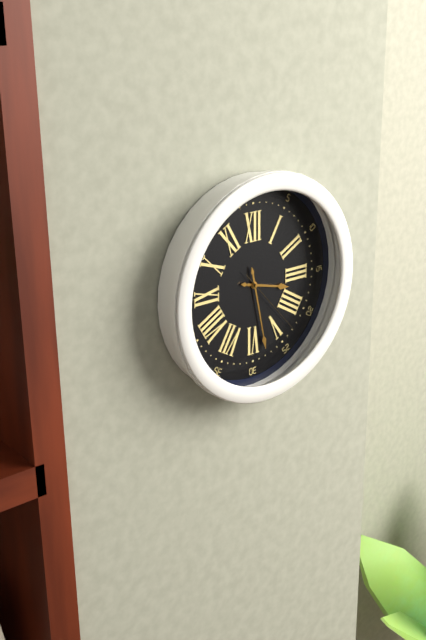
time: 3:28:23
